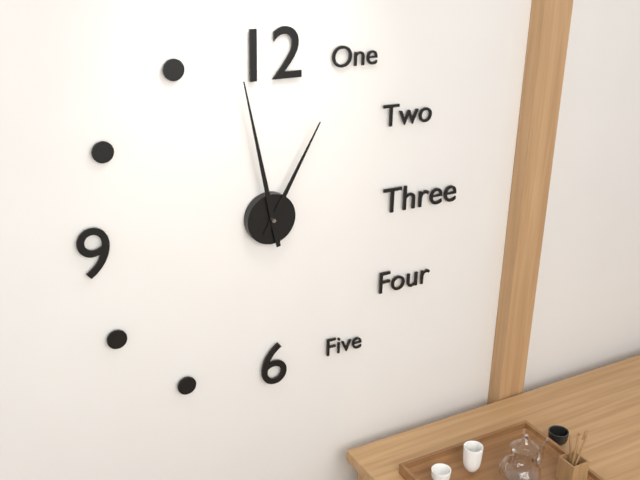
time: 12:58
